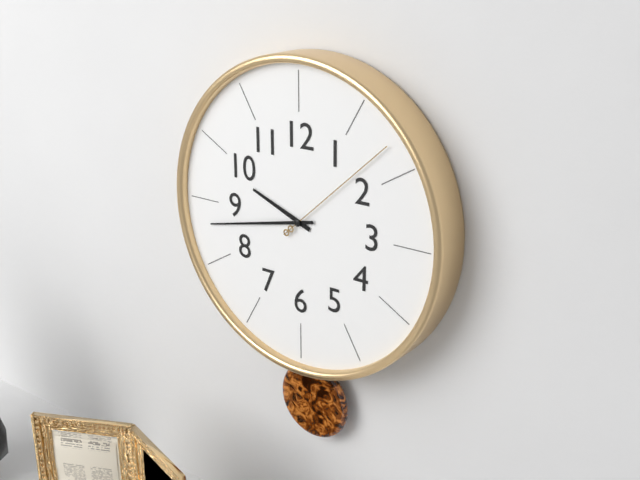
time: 9:43:08
